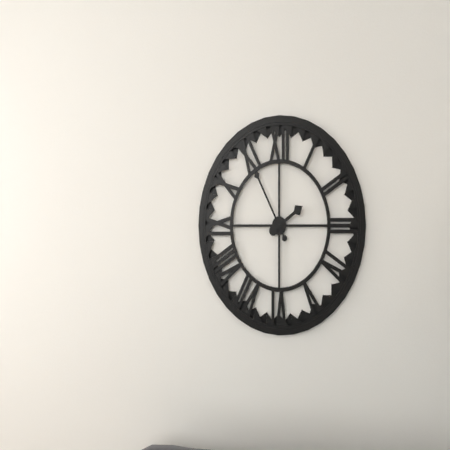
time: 1:55
